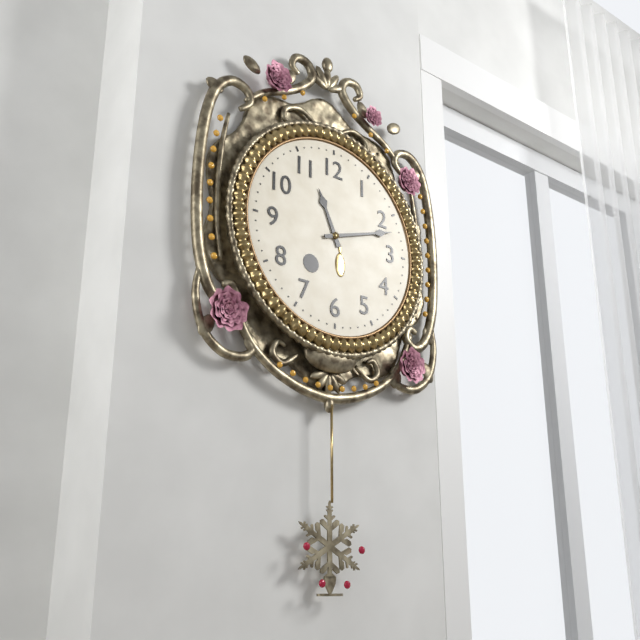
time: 11:12
